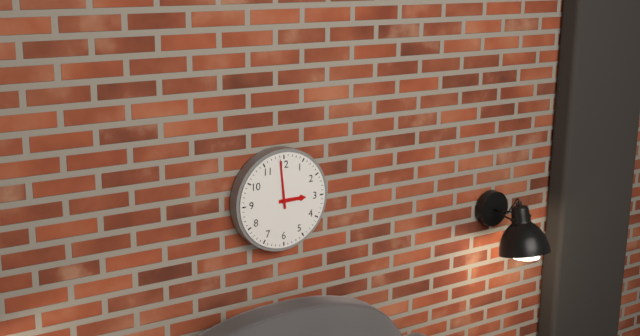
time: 2:59
